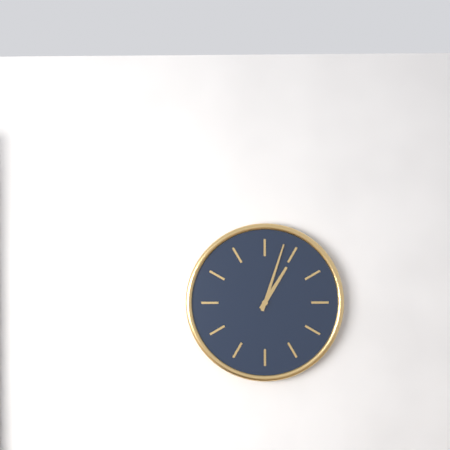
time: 1:03
